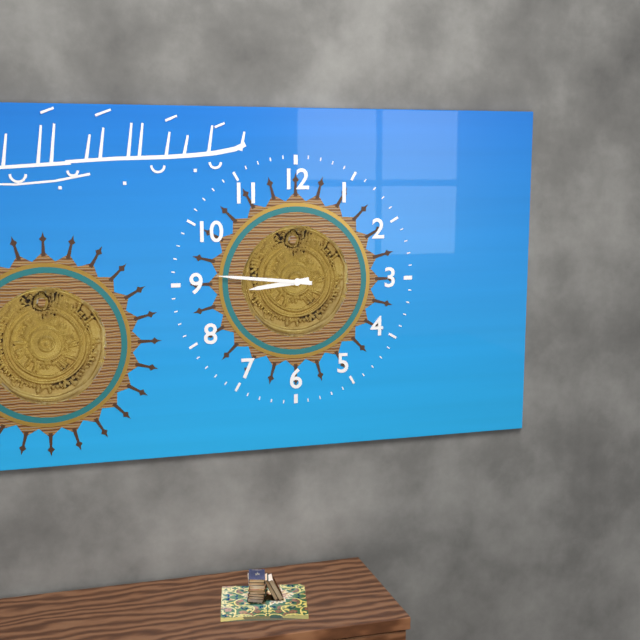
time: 8:46
